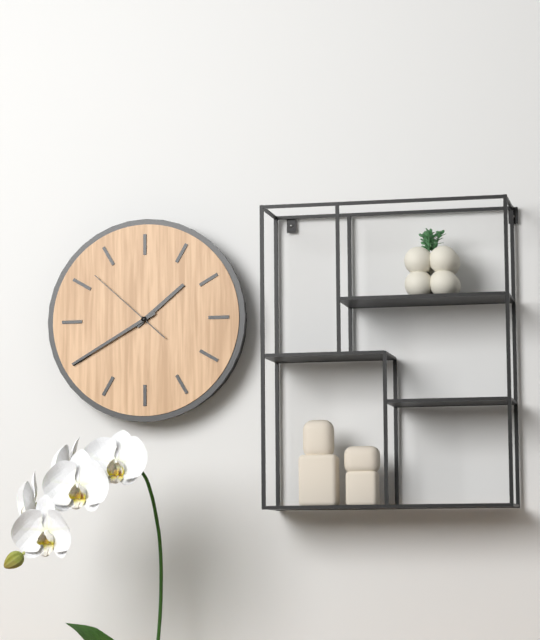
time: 1:40:52
